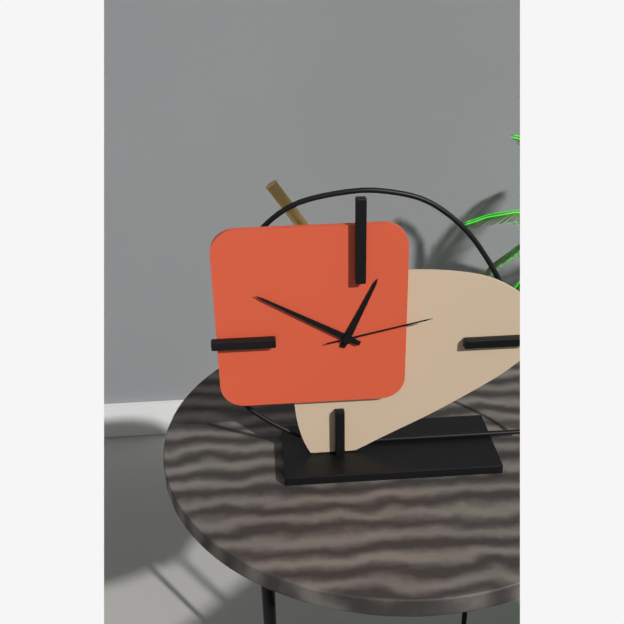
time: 12:50:13
